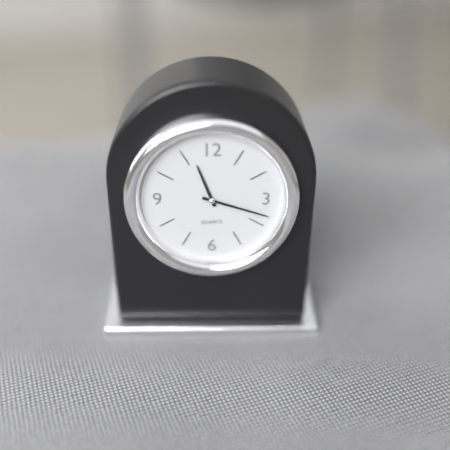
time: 11:18
